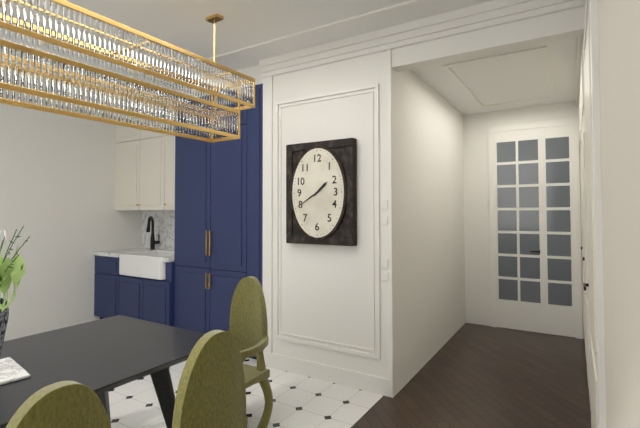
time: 1:40
